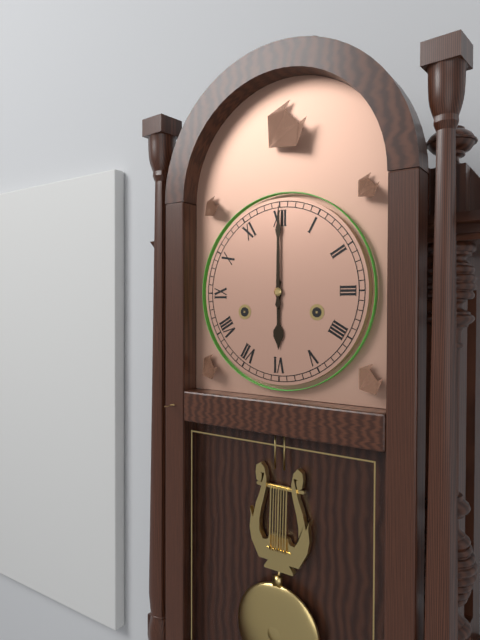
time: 6:00
